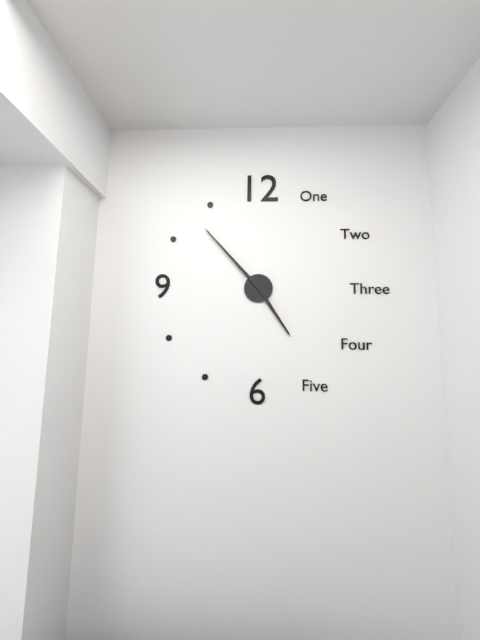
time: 4:53
